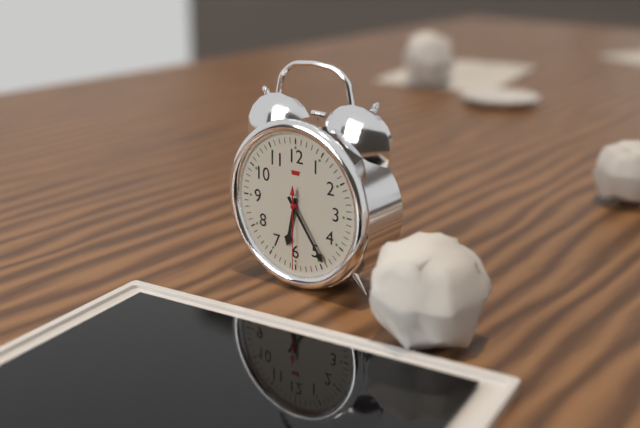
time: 6:24:30
